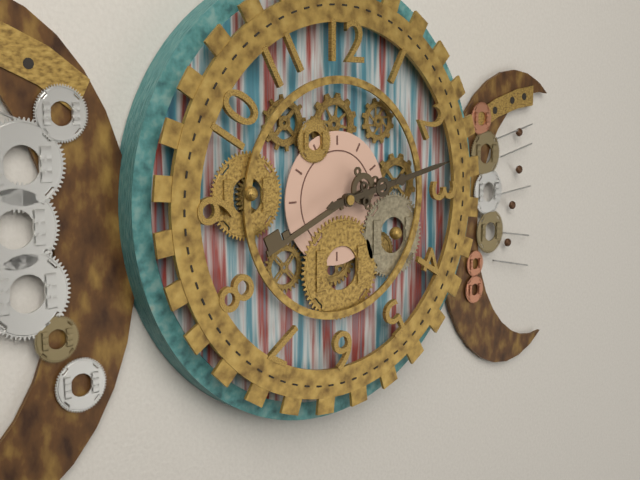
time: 8:13
